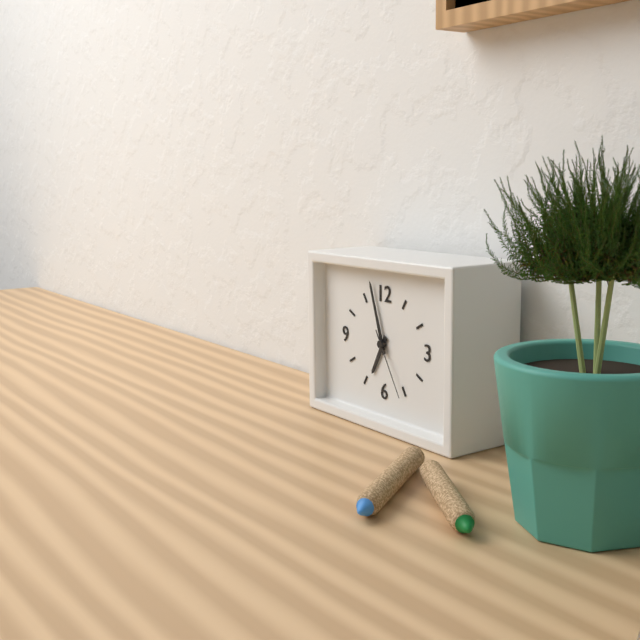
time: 6:57:25
